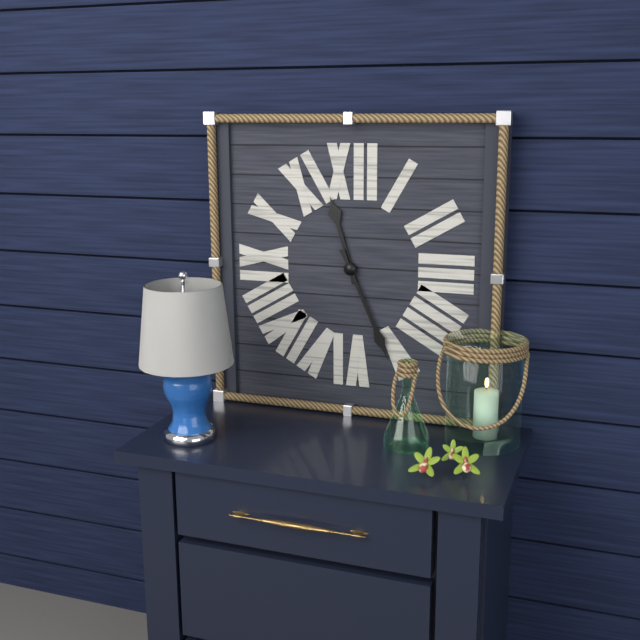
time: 11:26
